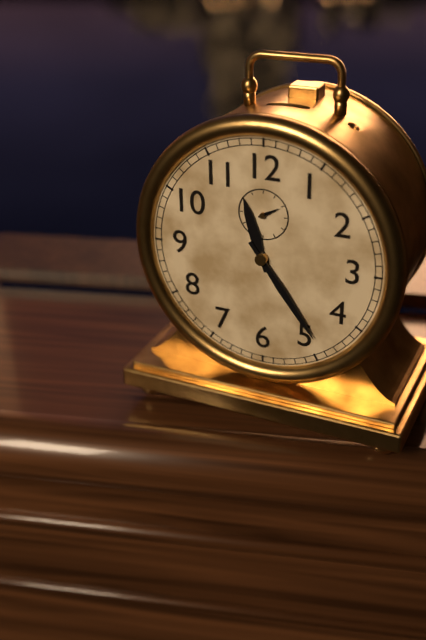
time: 11:24
